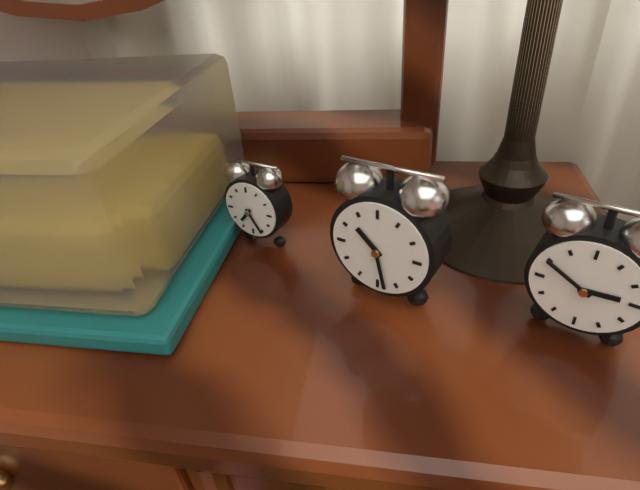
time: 10:28
